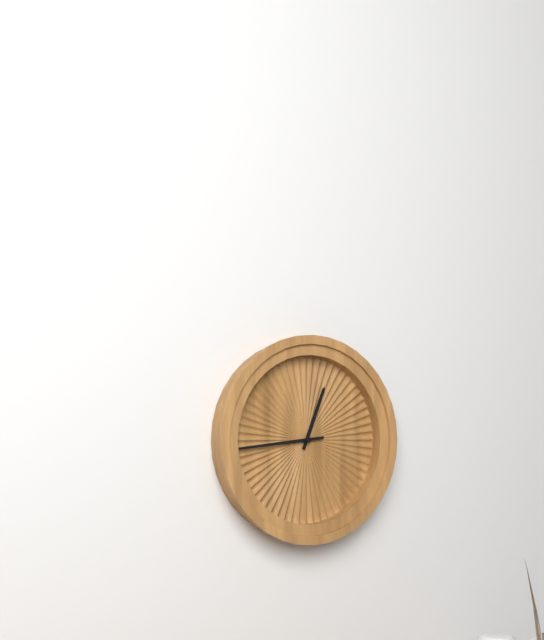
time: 12:44
